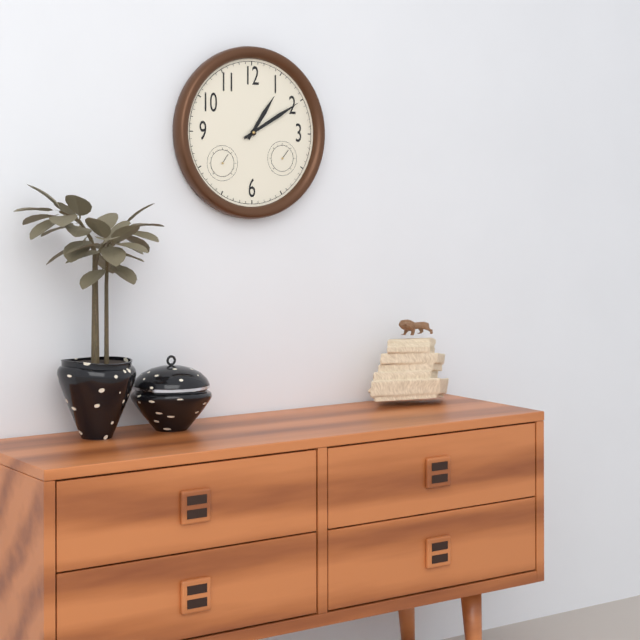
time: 1:10
